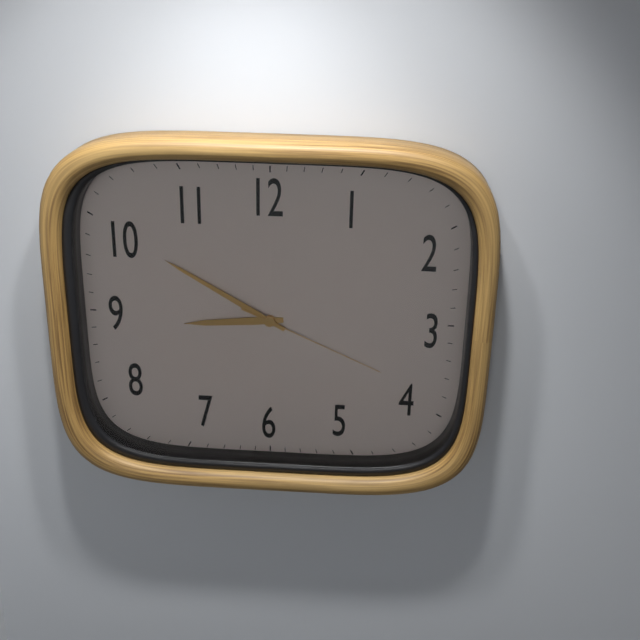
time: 8:50:19
